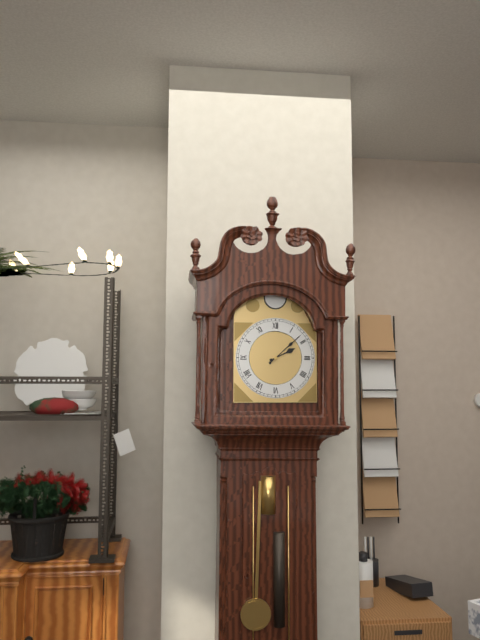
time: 2:08
